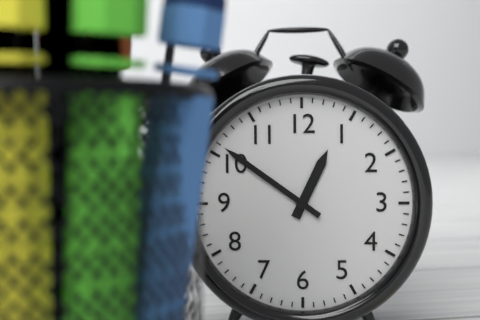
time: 12:51
